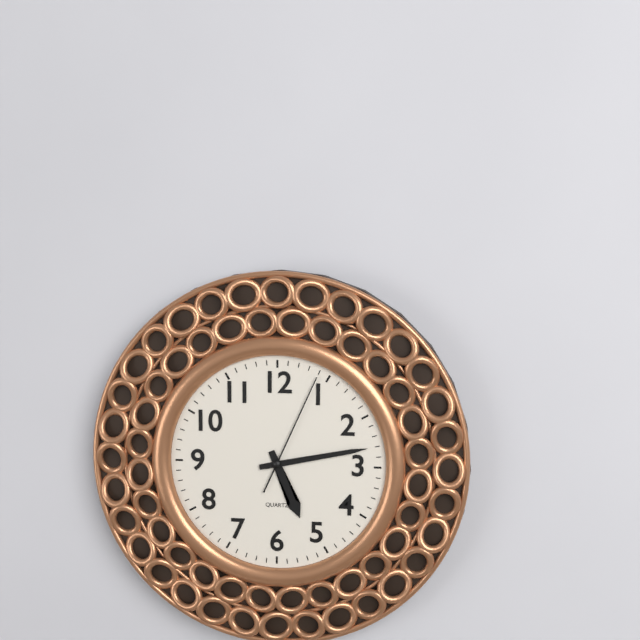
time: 5:13:04
